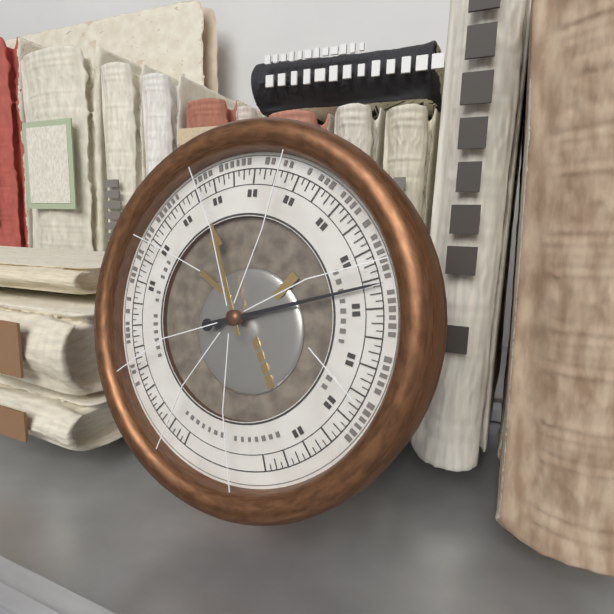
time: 11:12
